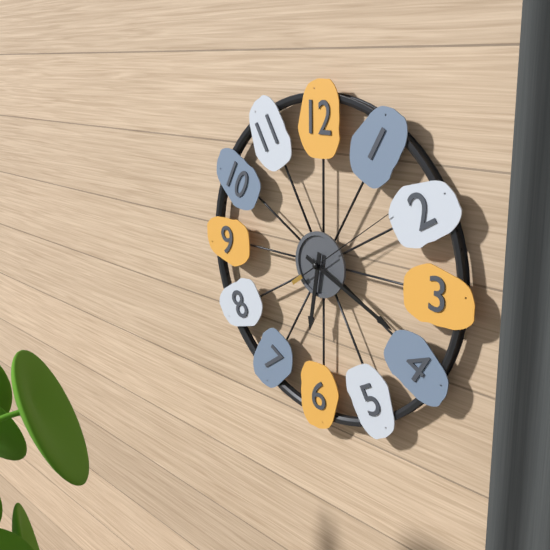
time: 6:19:09
